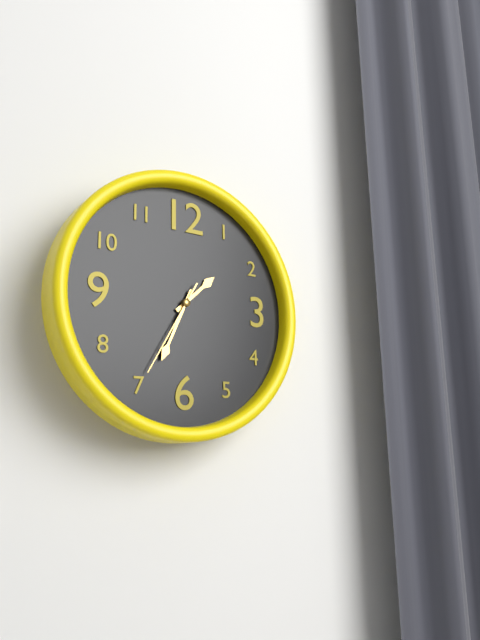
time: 1:34:35
